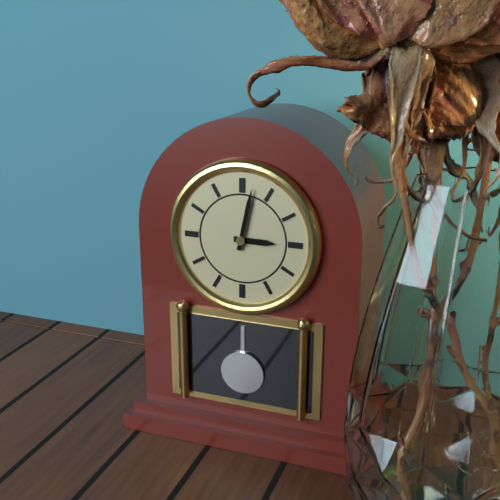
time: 3:02
